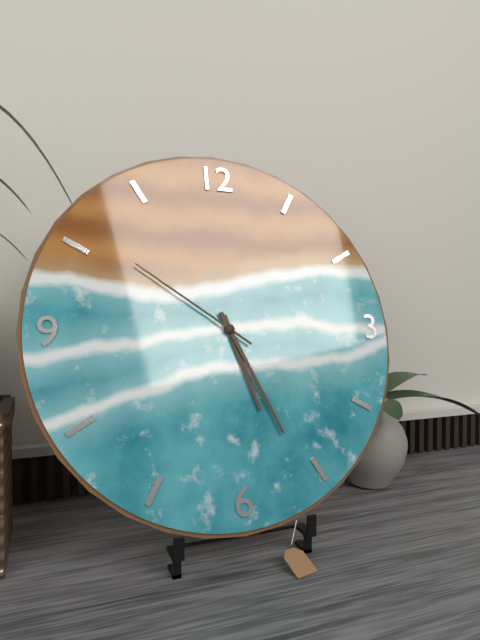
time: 5:26:51
